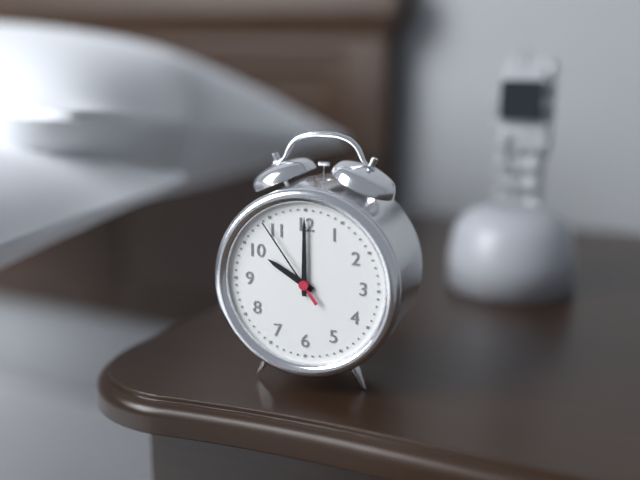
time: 10:00:54
